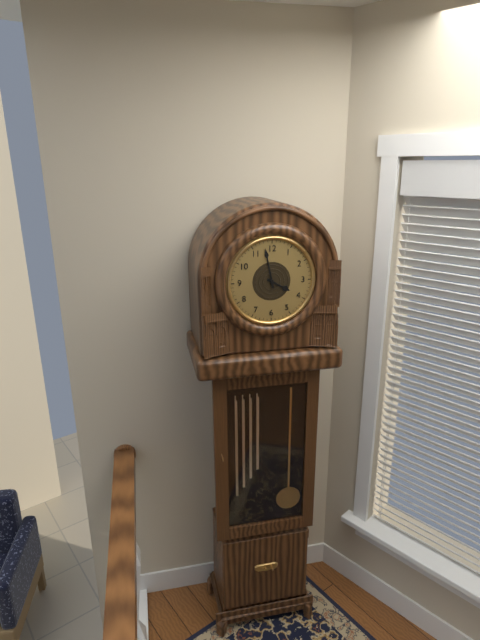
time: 3:58
